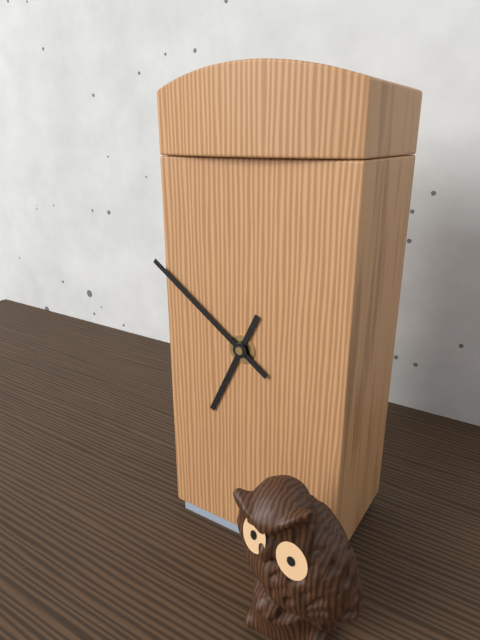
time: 6:51
